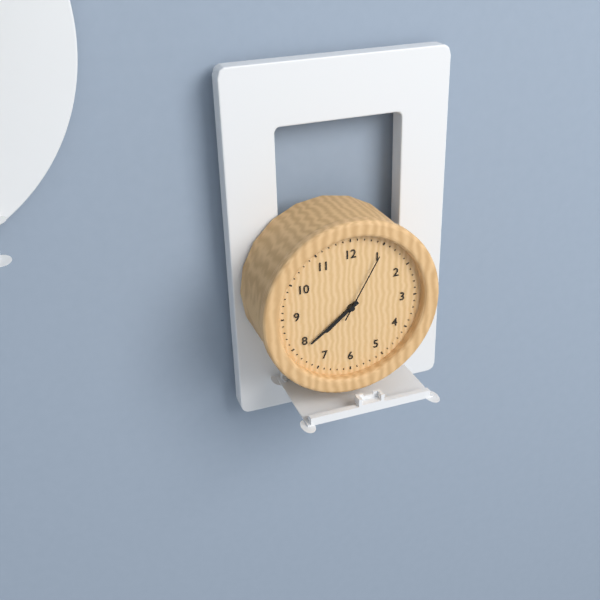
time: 7:39:05
